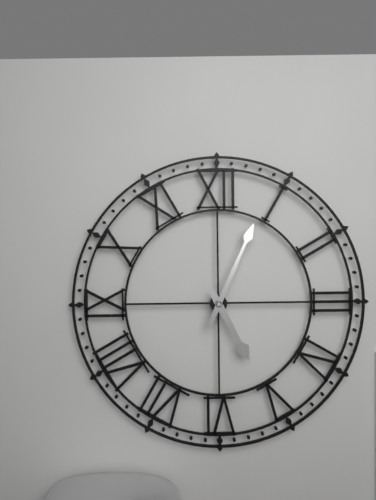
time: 5:04
